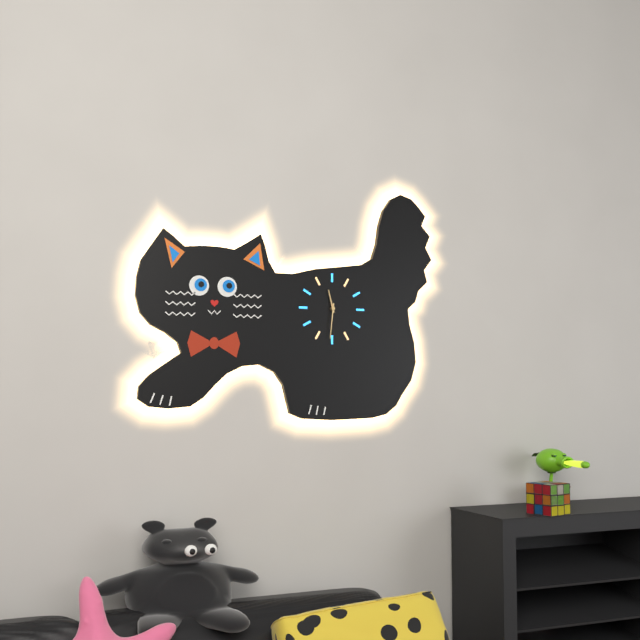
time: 11:31
